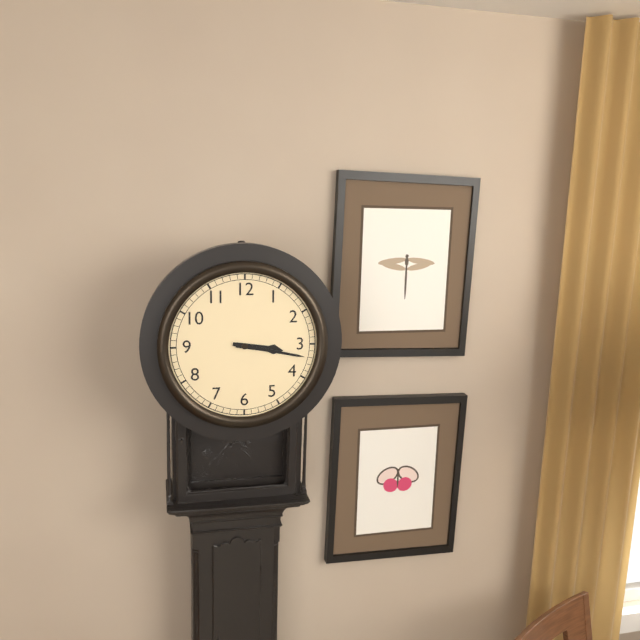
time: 3:17
